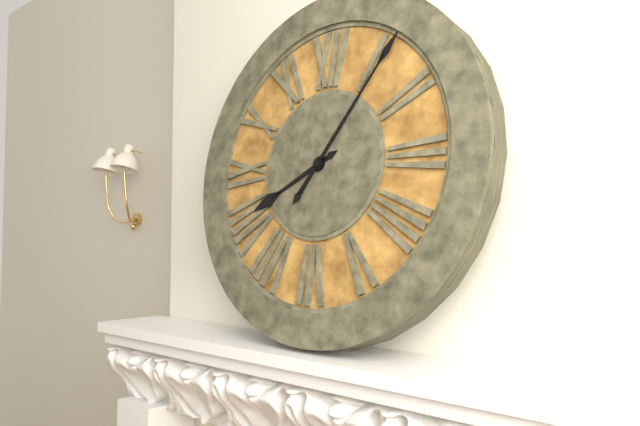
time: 8:06
